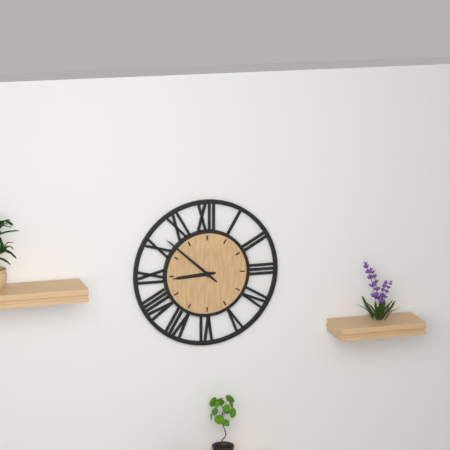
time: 8:52
